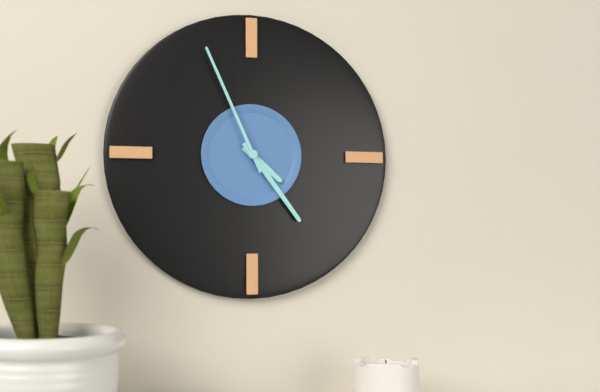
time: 4:24:56
